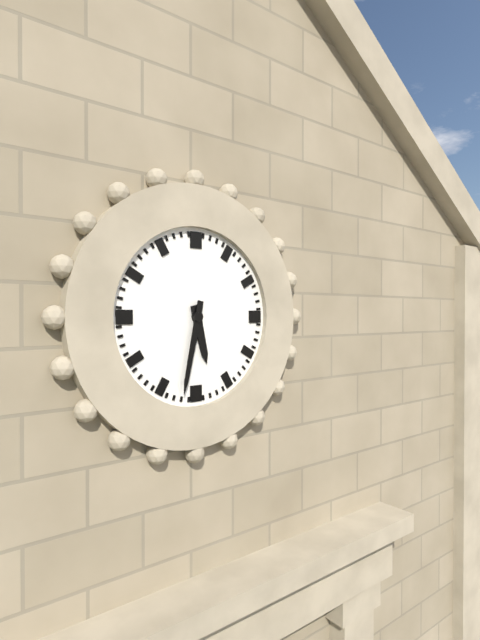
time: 5:32
